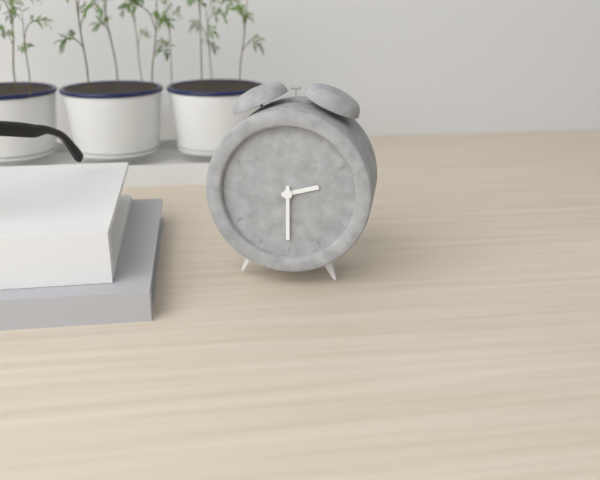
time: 2:30
